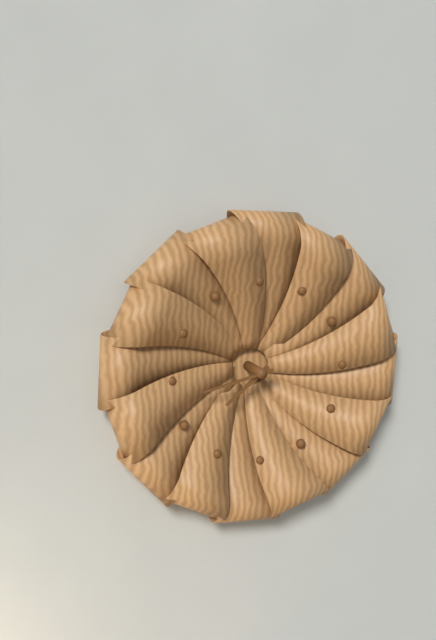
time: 7:43
